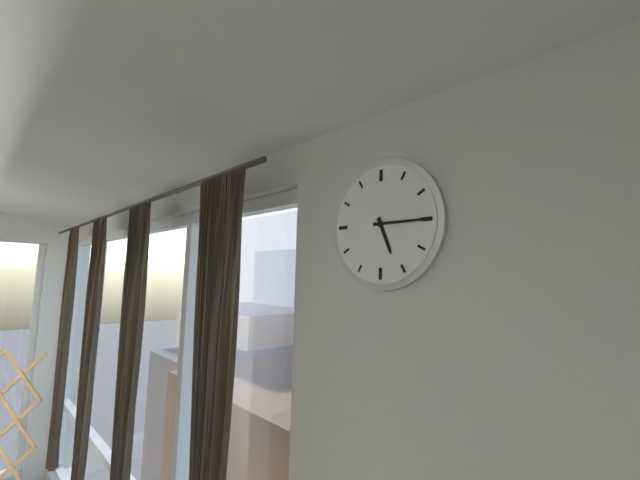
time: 5:15
